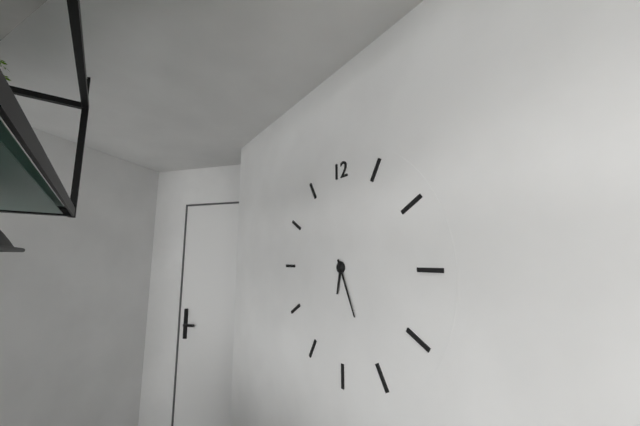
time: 6:26
